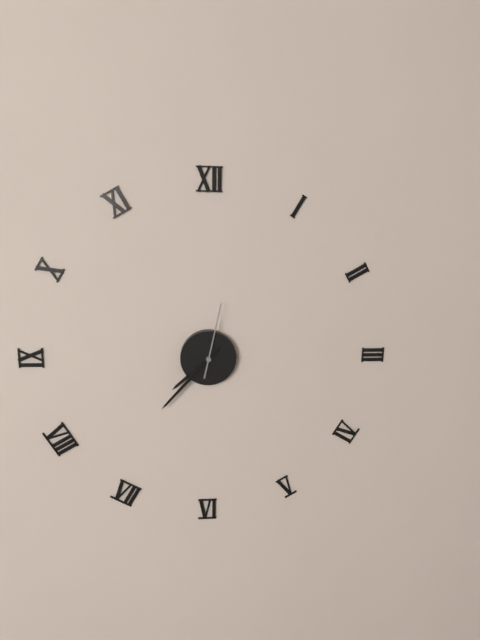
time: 7:37:02
